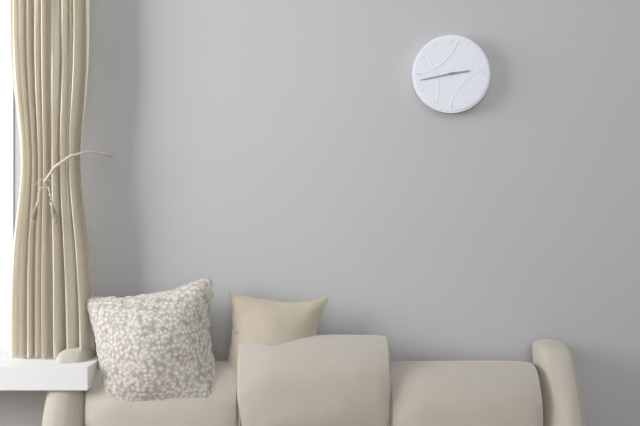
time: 2:43
